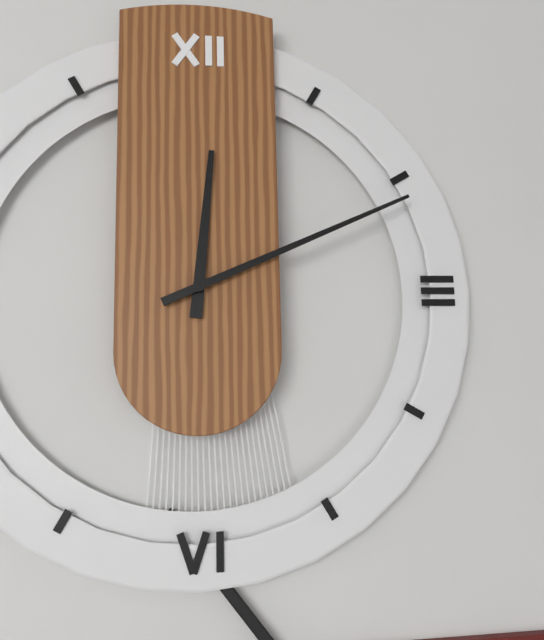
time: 12:11
